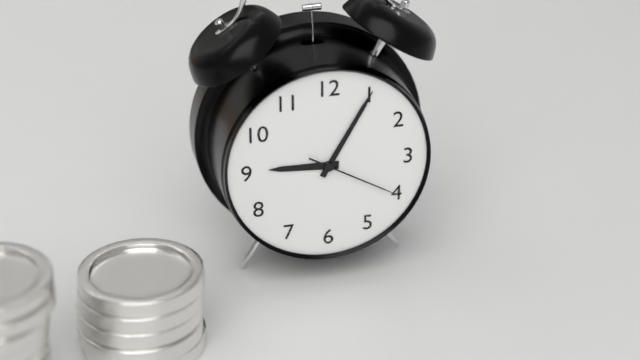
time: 9:05:20
